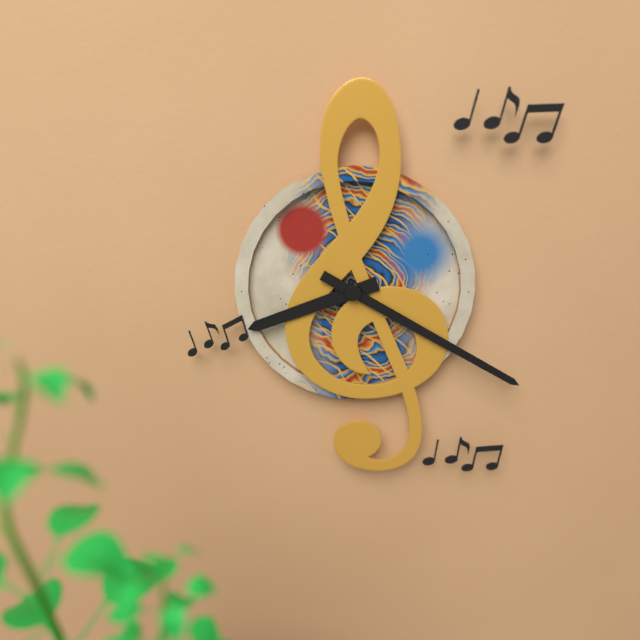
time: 8:20
